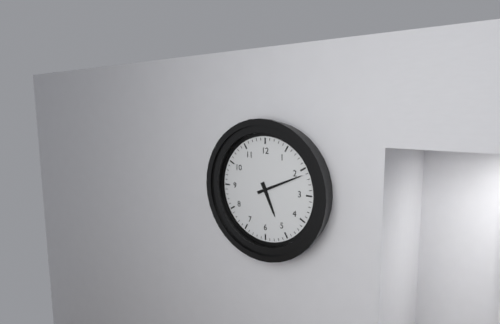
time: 5:11
